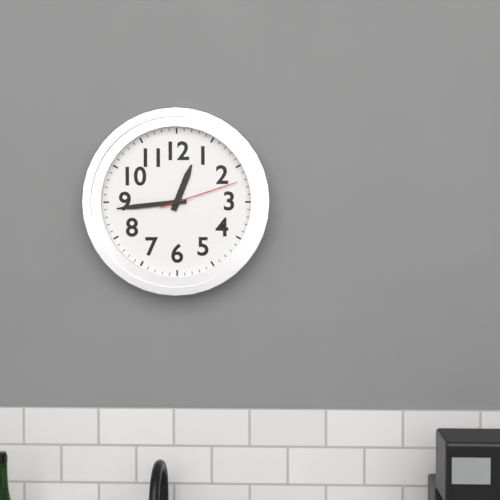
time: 12:44:12
